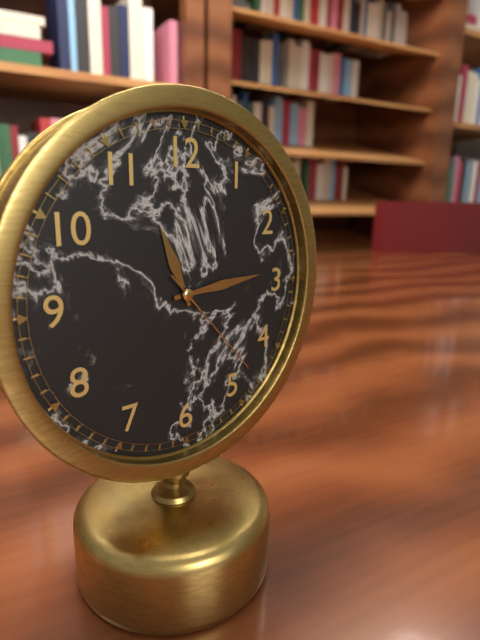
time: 11:14:23
